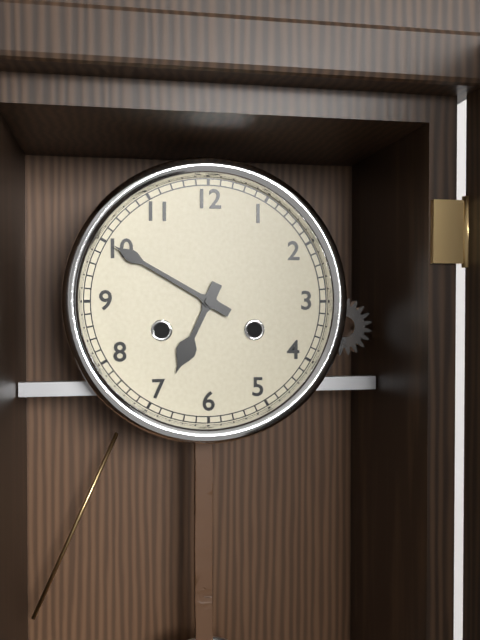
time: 6:50
